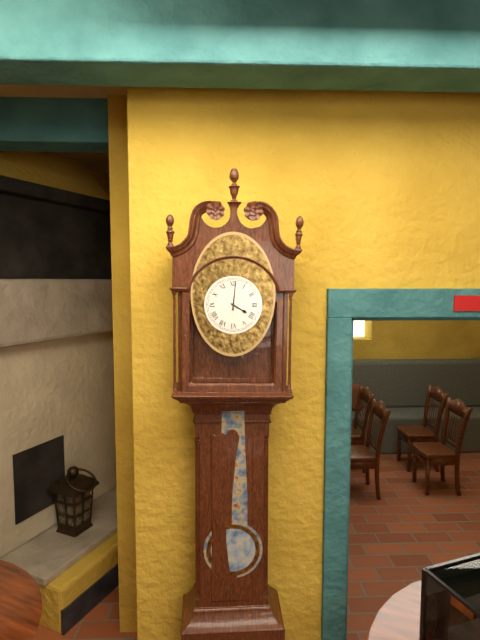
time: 4:01
